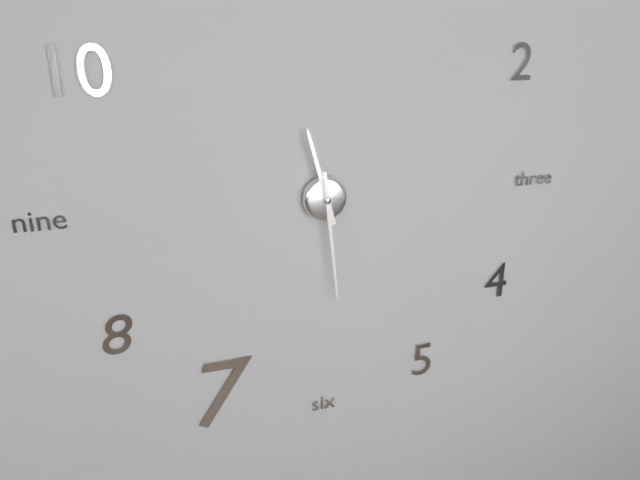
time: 11:29
